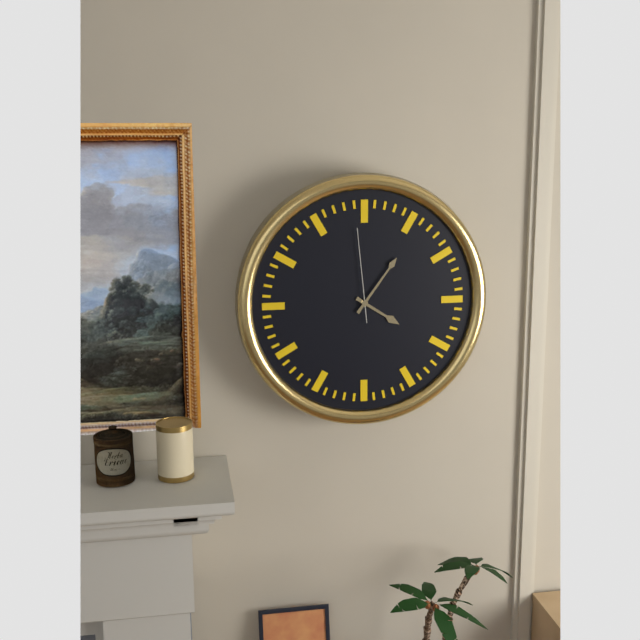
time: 4:06:59
